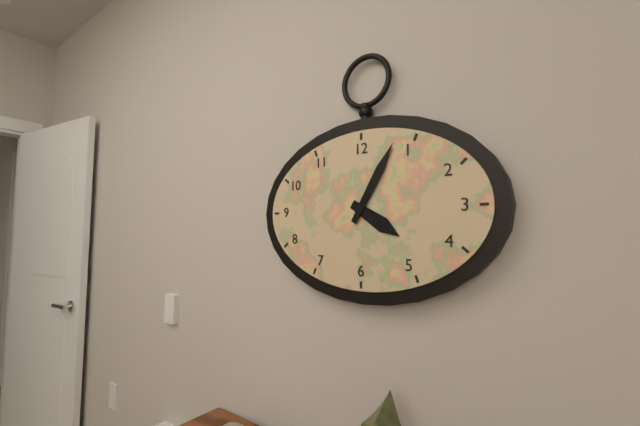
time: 4:05
